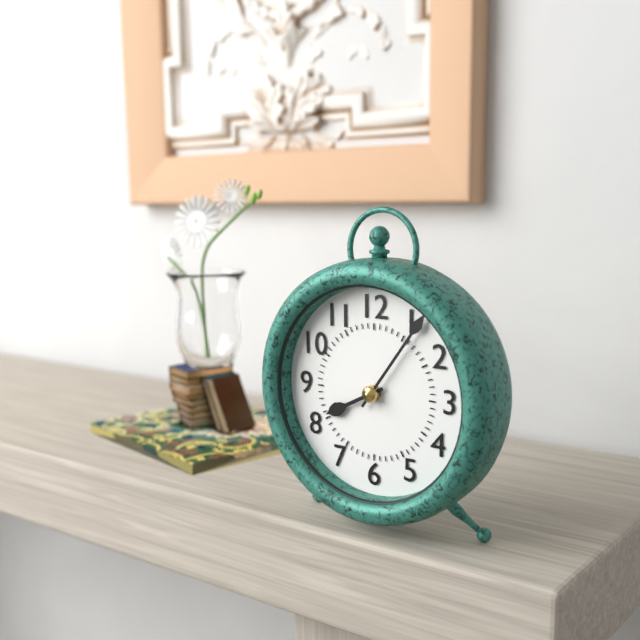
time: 8:06
